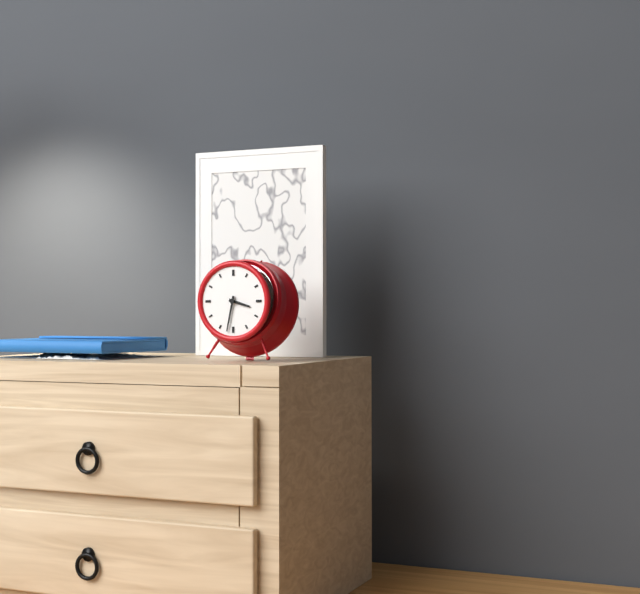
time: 3:32
